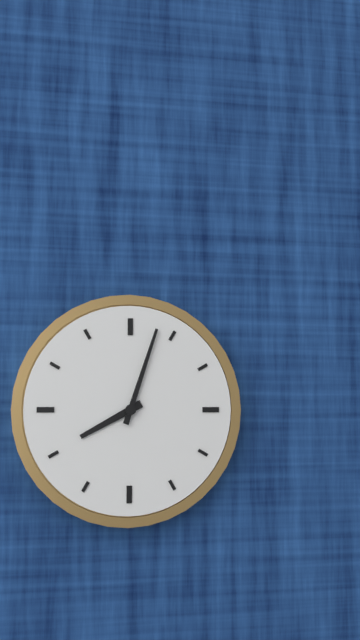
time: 8:03
